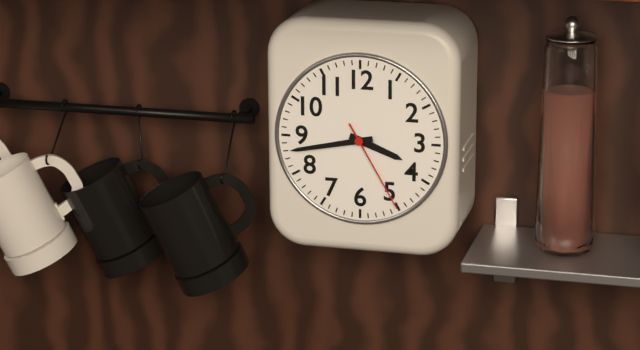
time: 3:43:25
